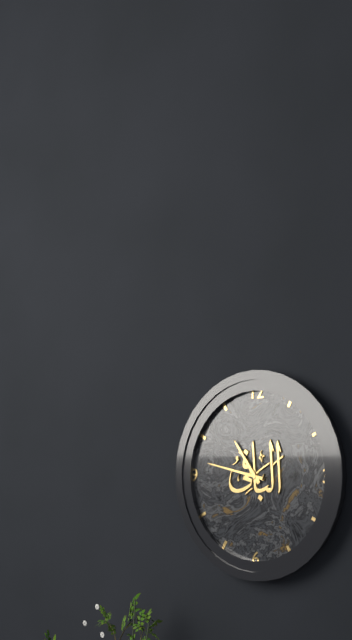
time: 10:47
